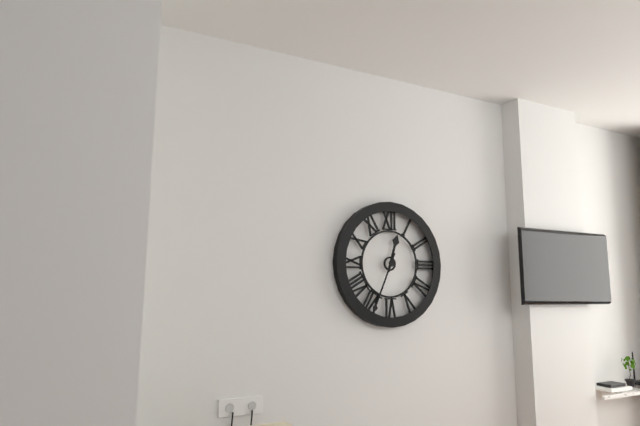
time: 12:34
